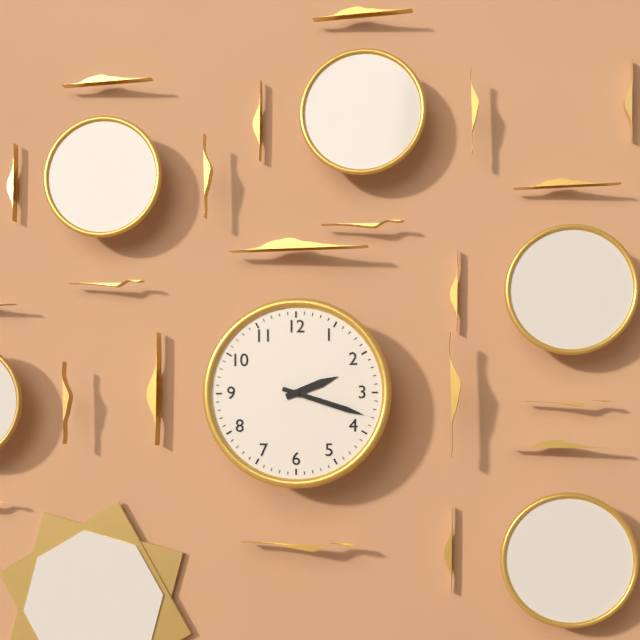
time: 2:18
